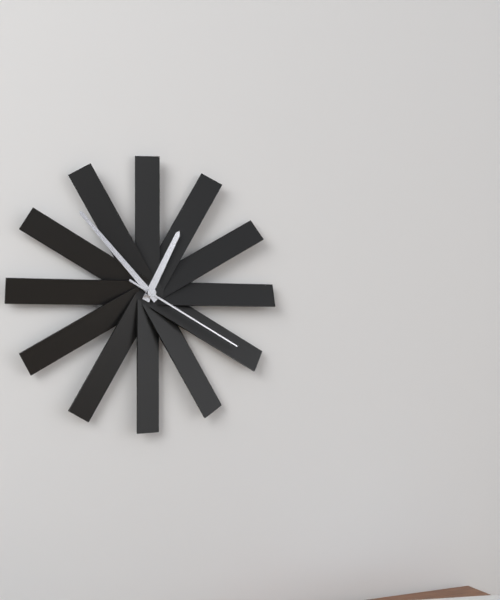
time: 12:53:20
